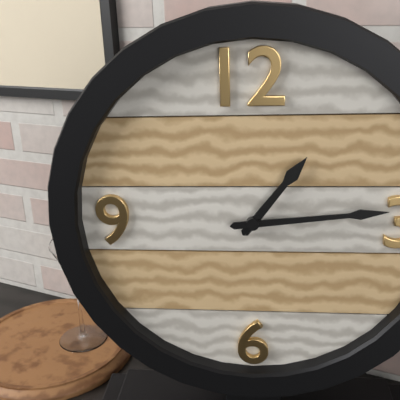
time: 1:14
